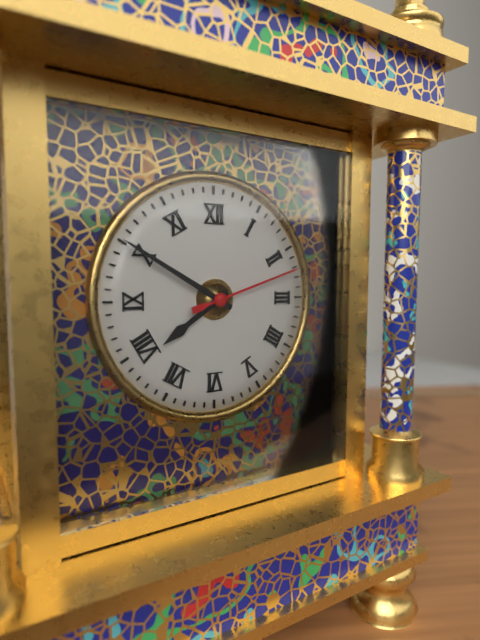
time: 7:50:12
